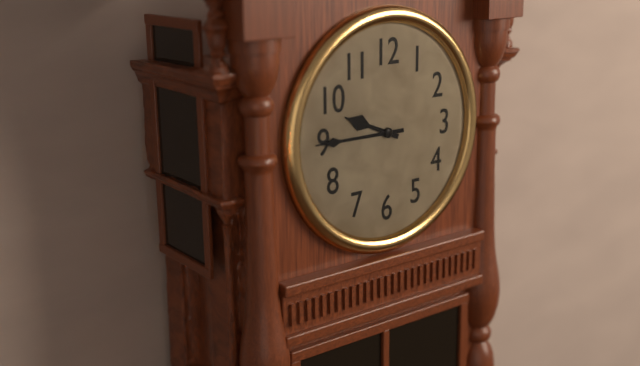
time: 9:45
